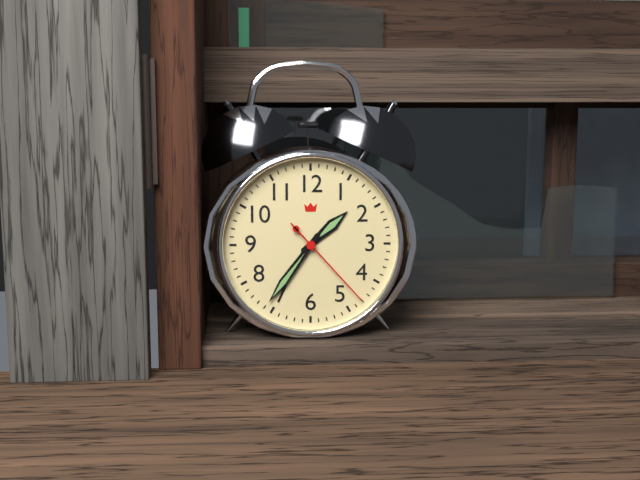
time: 1:36:23
